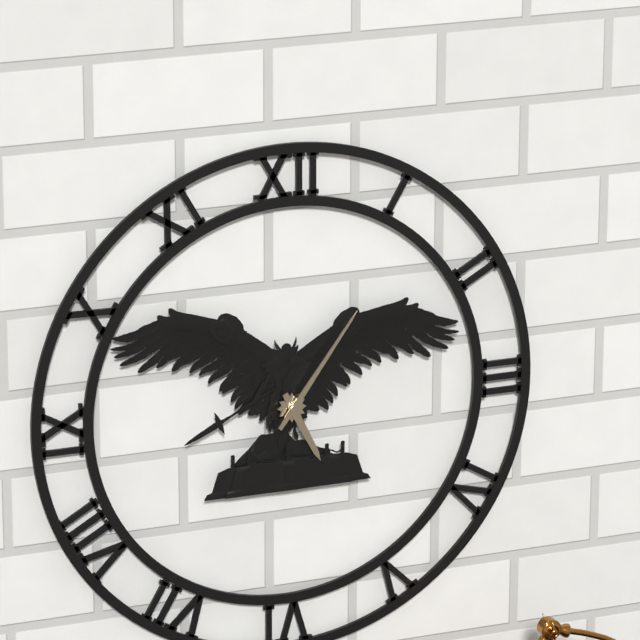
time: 5:06
